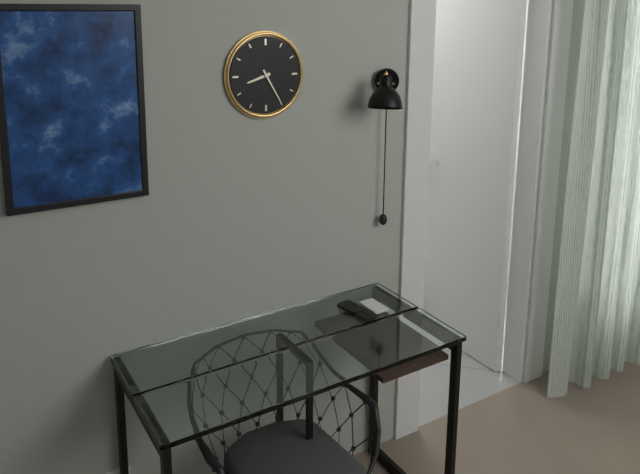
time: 8:25
